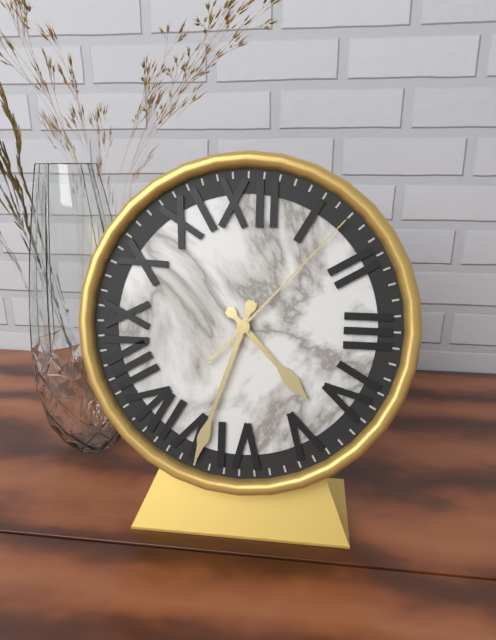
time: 4:33:07
